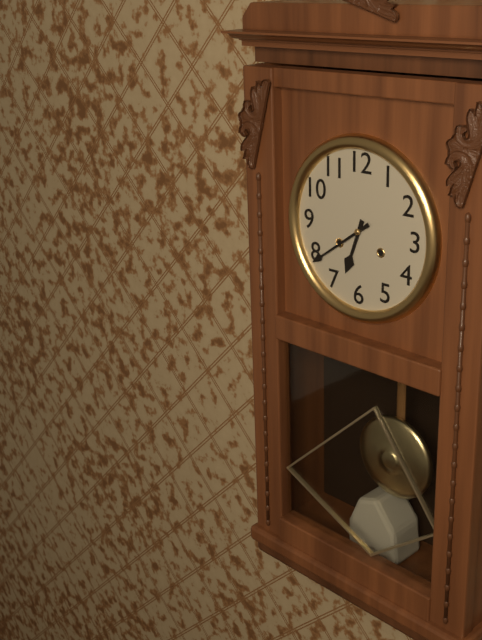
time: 6:39
